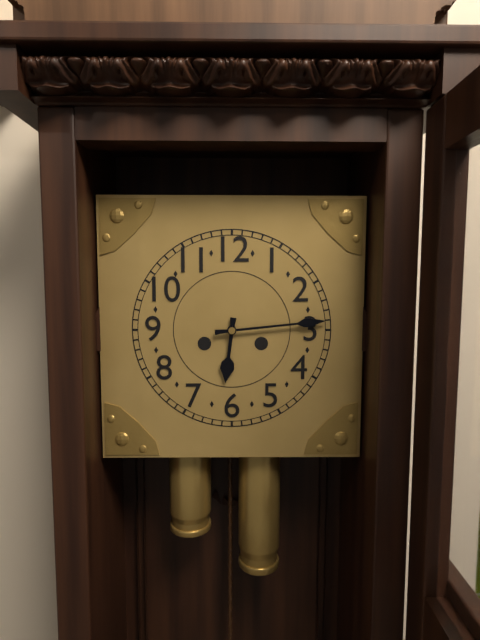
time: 6:14
